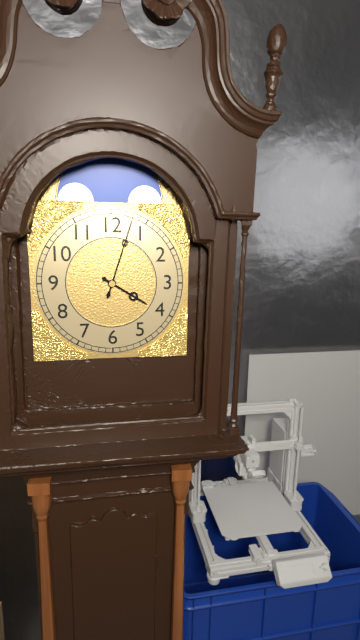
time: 4:03
